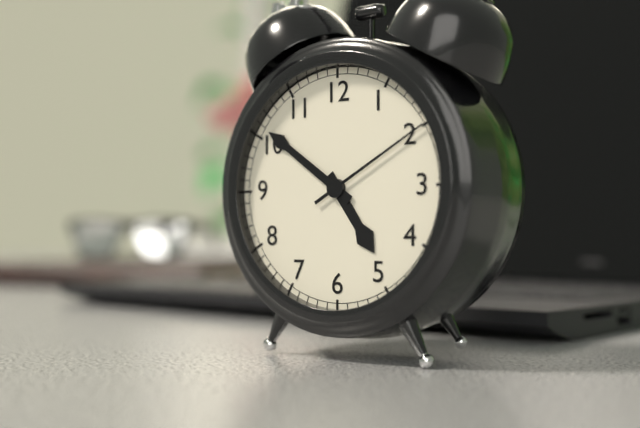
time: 4:51:10
